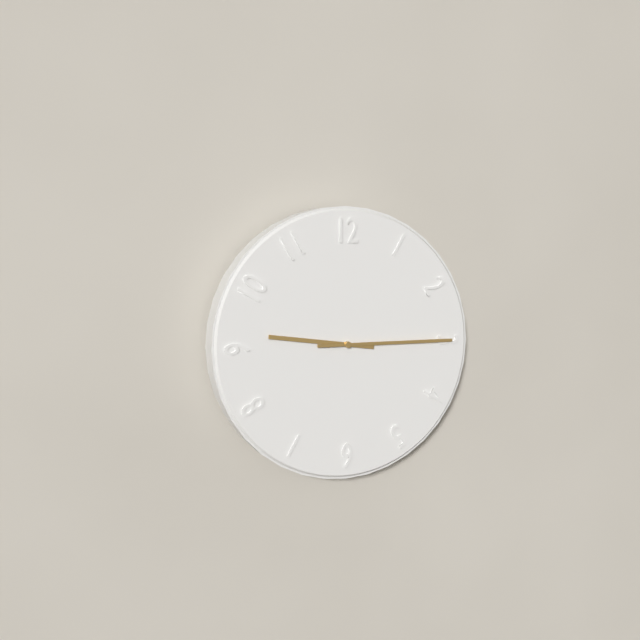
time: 9:15
